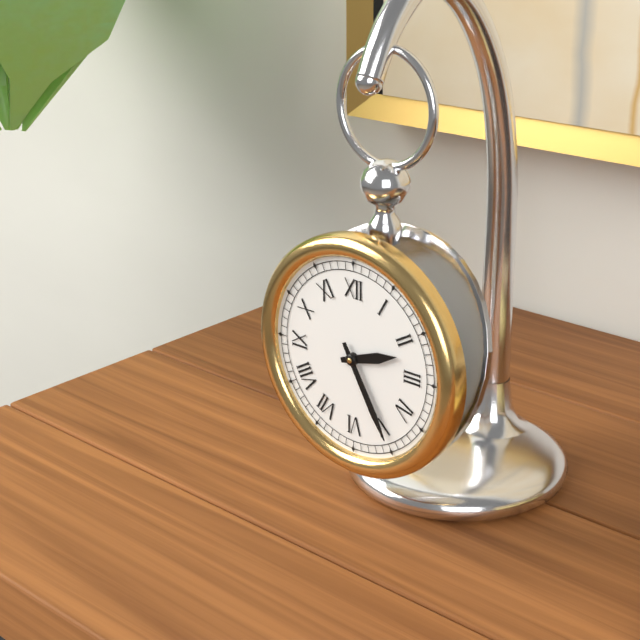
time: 2:25
